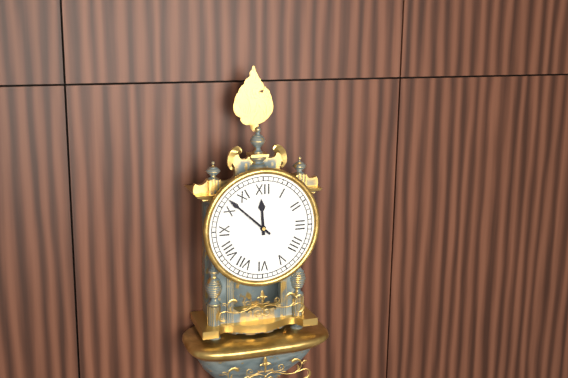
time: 11:52
